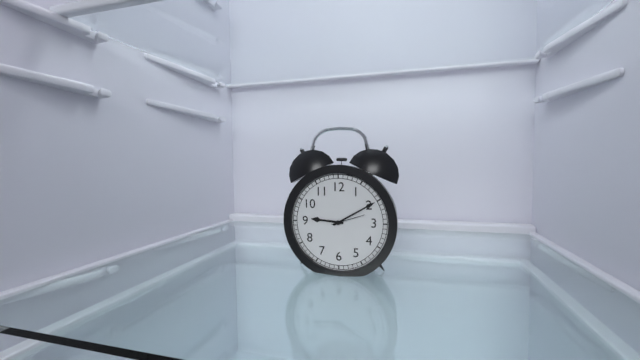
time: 9:10
